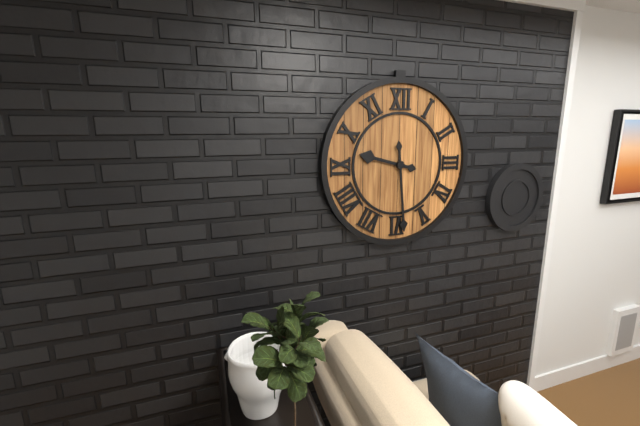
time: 9:29
